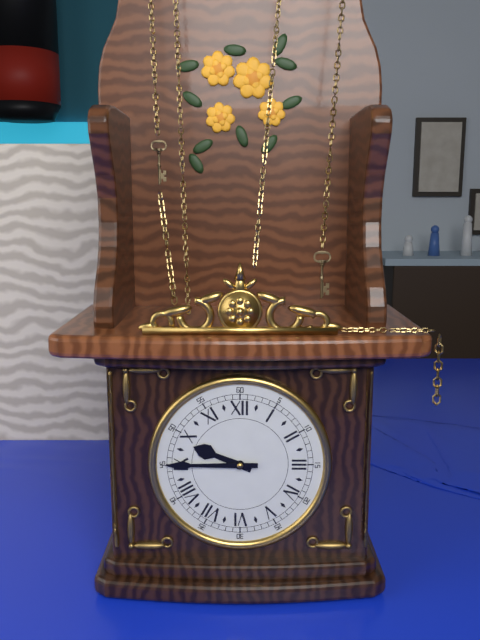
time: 9:45
